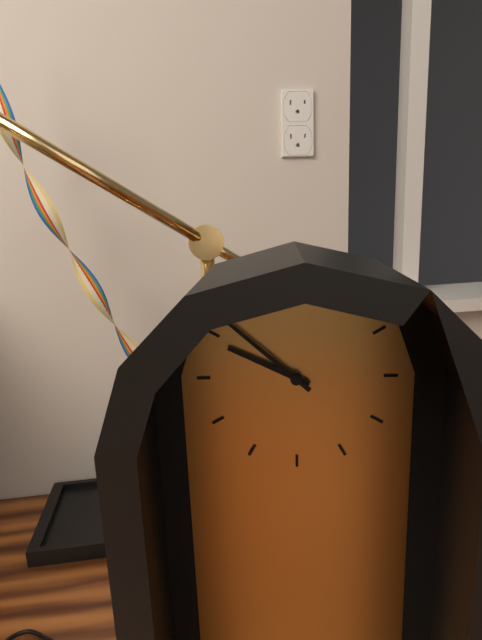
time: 9:52
